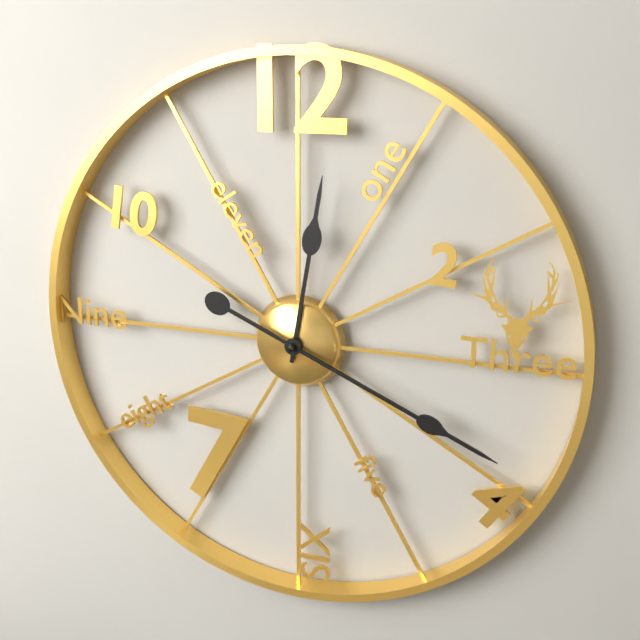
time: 12:19
